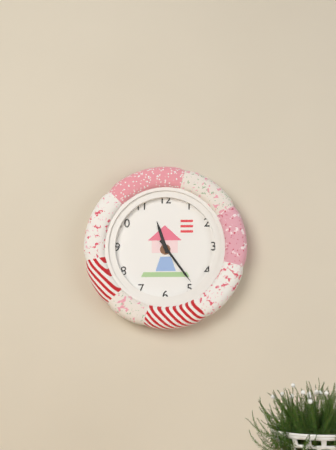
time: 11:24
